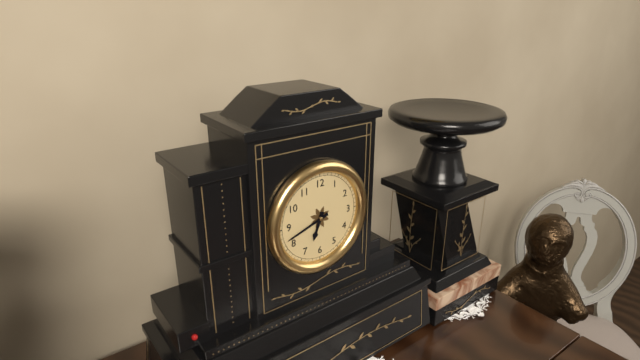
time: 6:42
